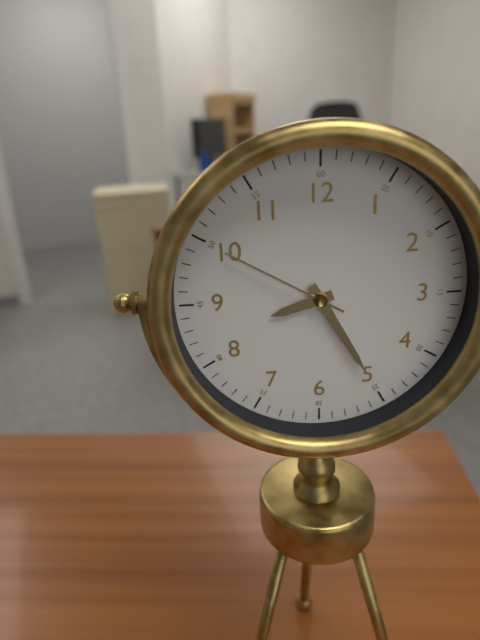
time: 8:25:50
